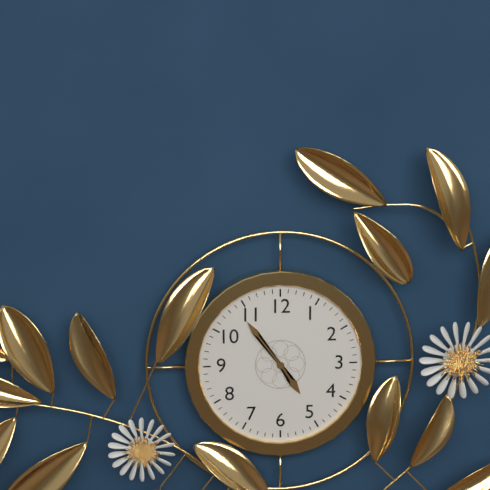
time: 4:54
